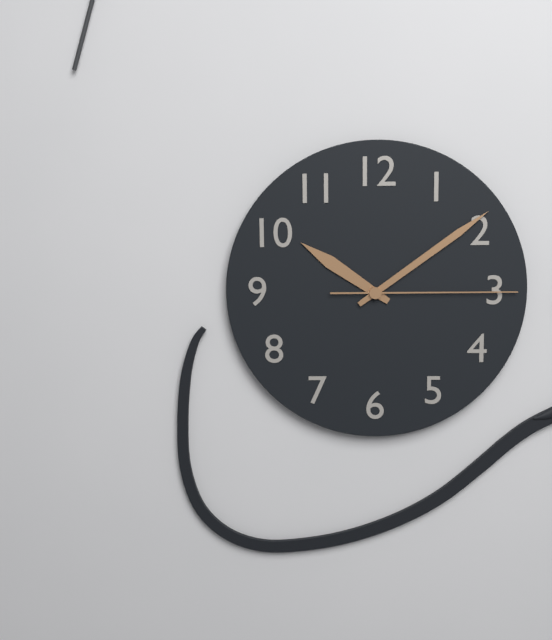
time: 10:09:15
